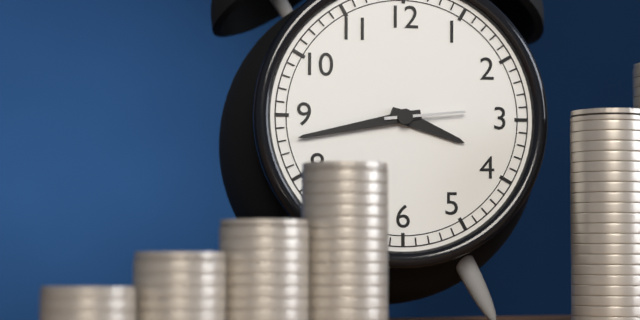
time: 3:43:14
